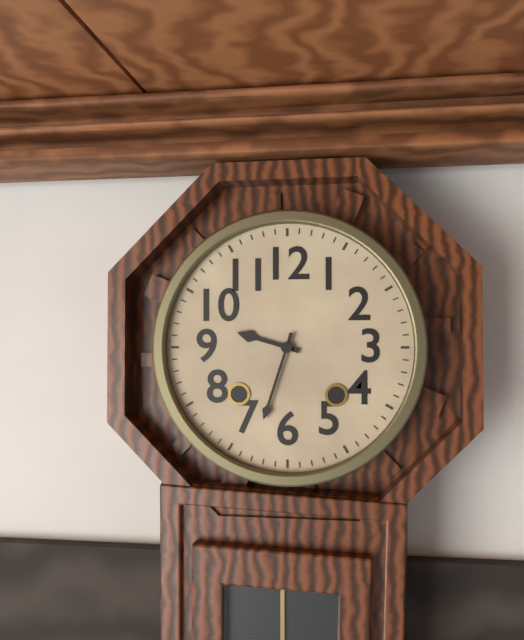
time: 9:33
